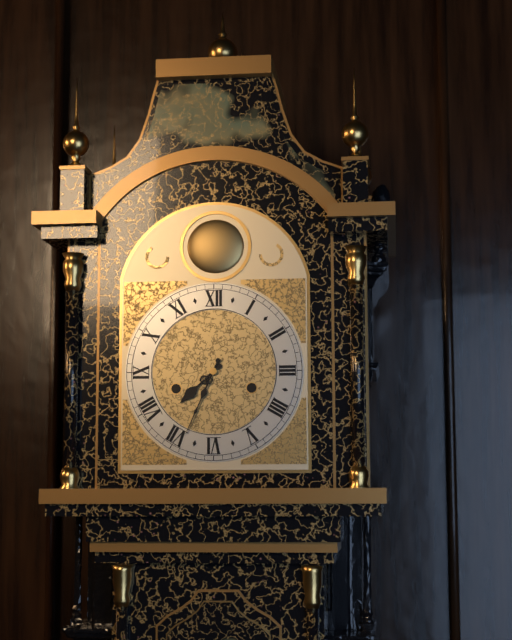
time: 7:34
